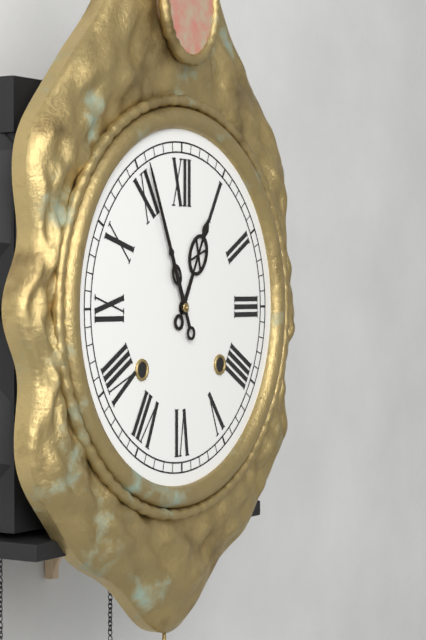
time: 12:56
